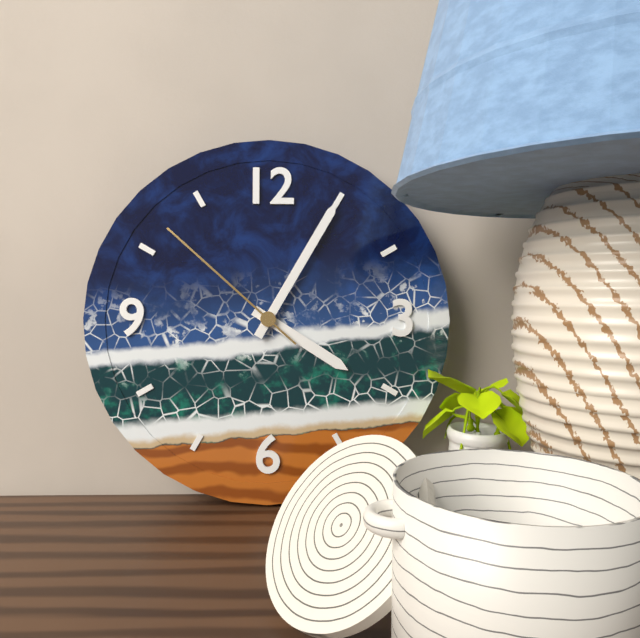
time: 4:05:52
